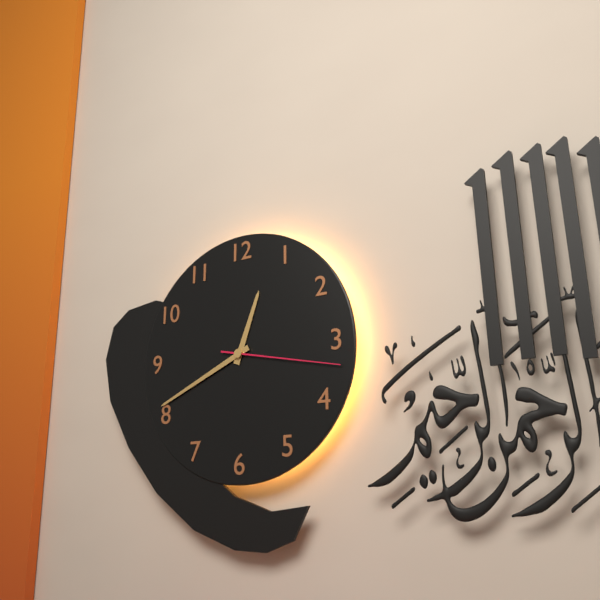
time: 12:41:17
